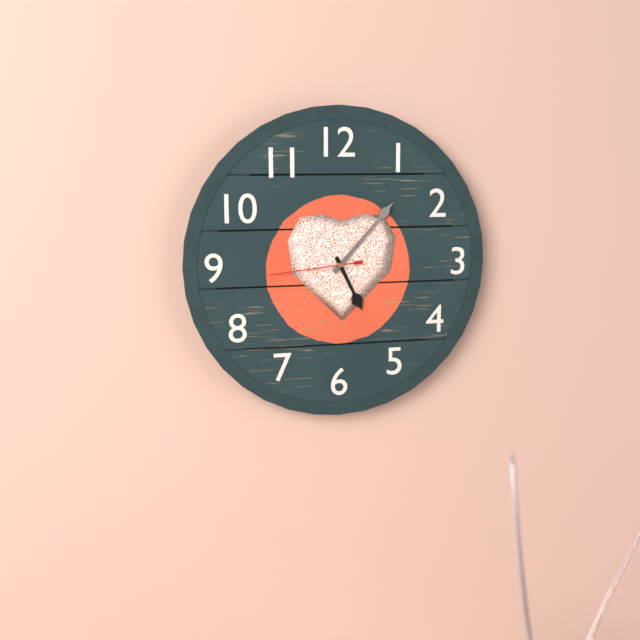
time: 5:07:44
